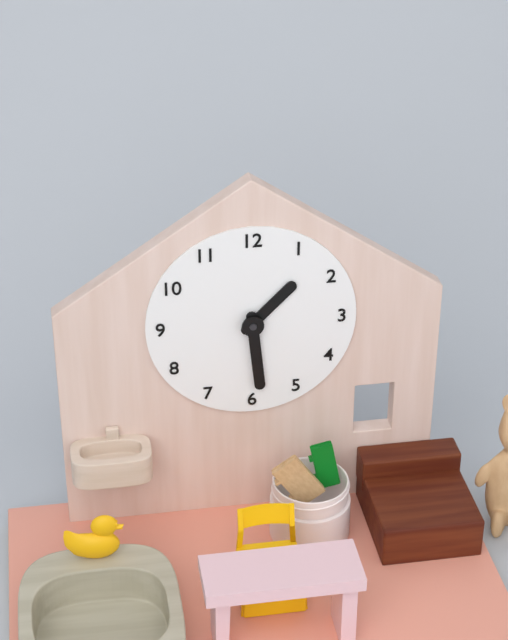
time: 1:29
